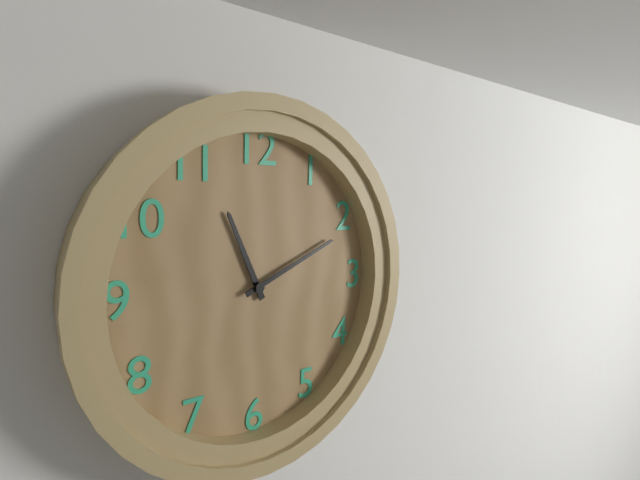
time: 11:11
